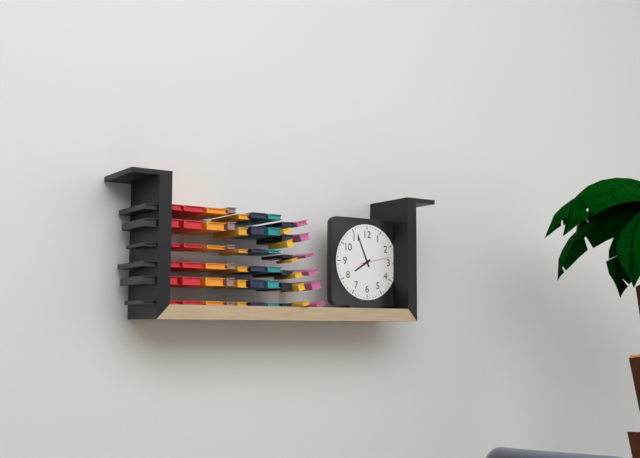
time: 7:56
